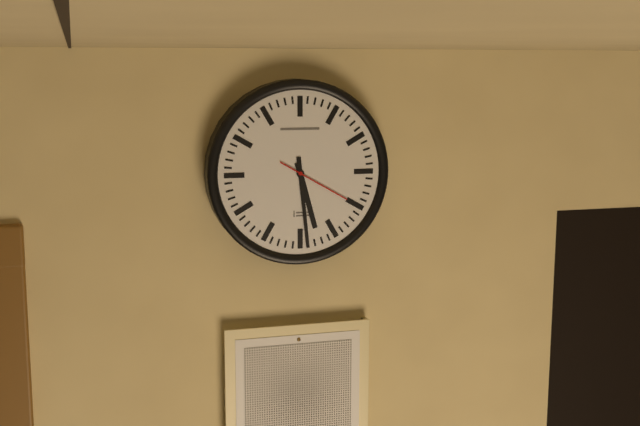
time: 5:29:20
